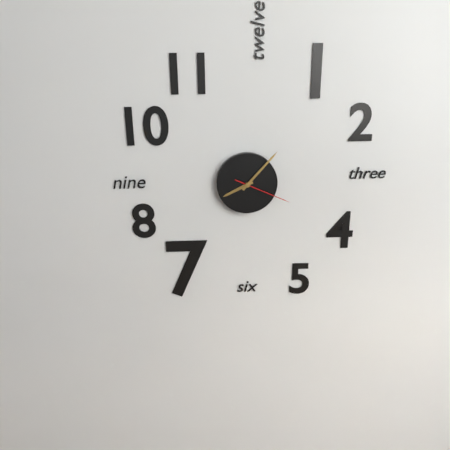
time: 8:07:19
